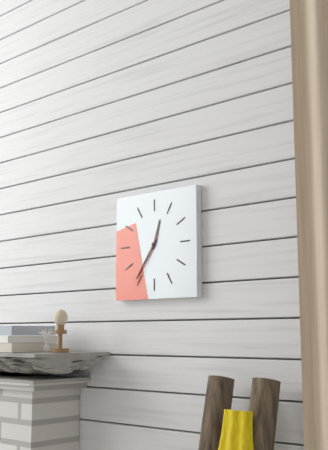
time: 12:36:35
